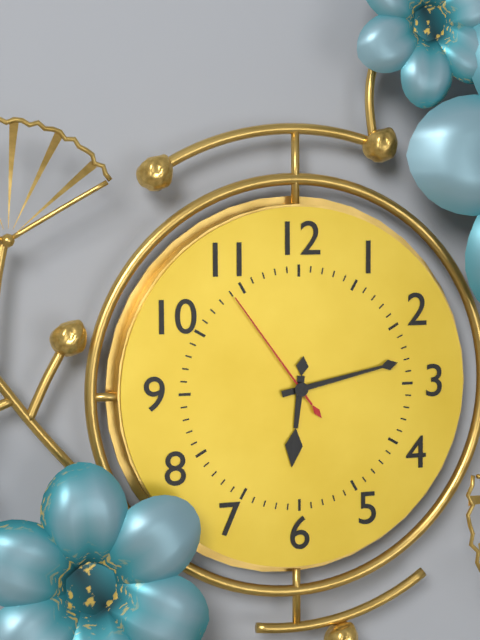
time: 6:13:54
